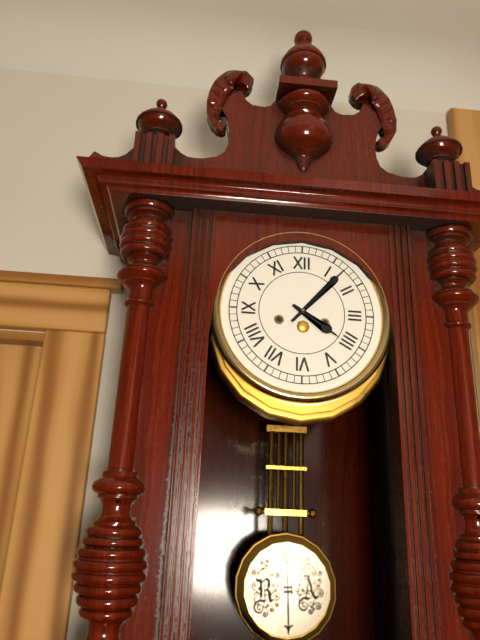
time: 4:07
